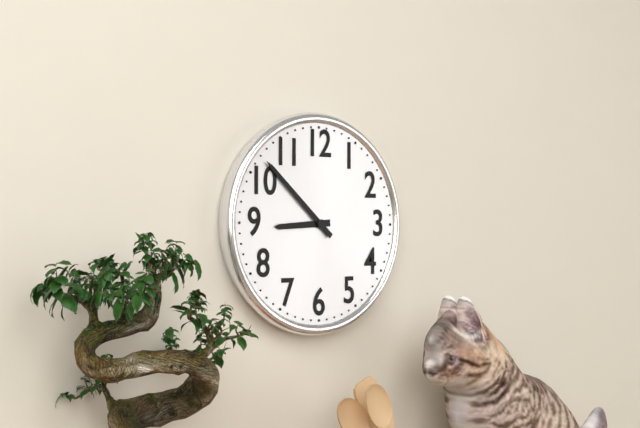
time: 8:52
